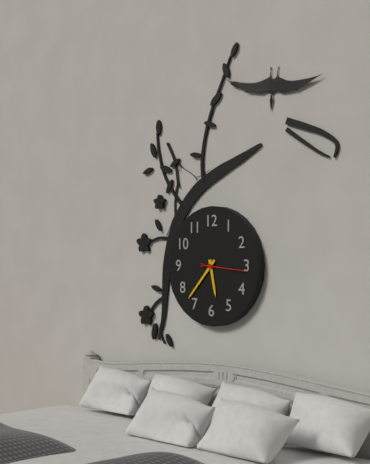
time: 5:37
